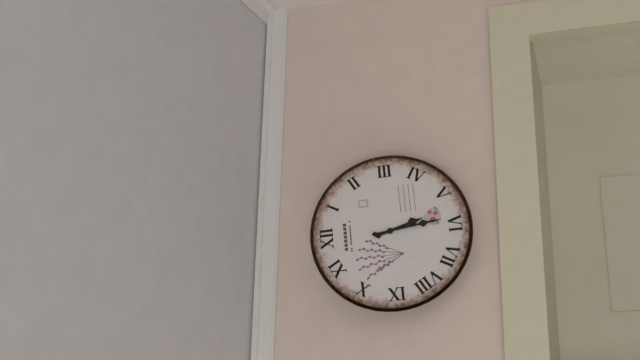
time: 5:29
